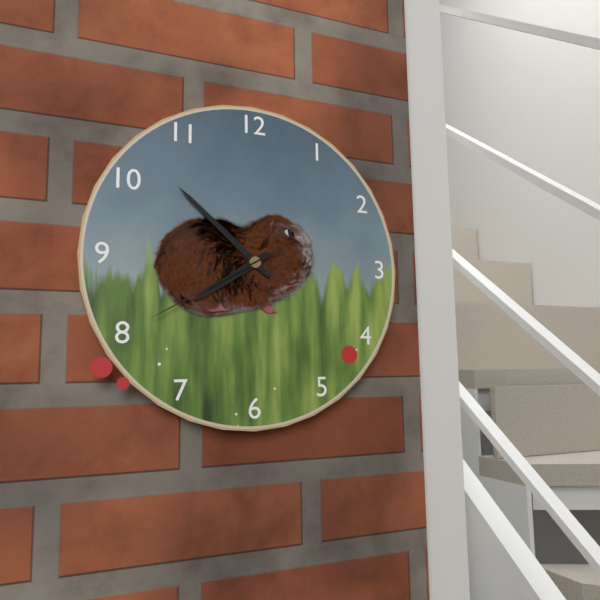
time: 7:52:40
